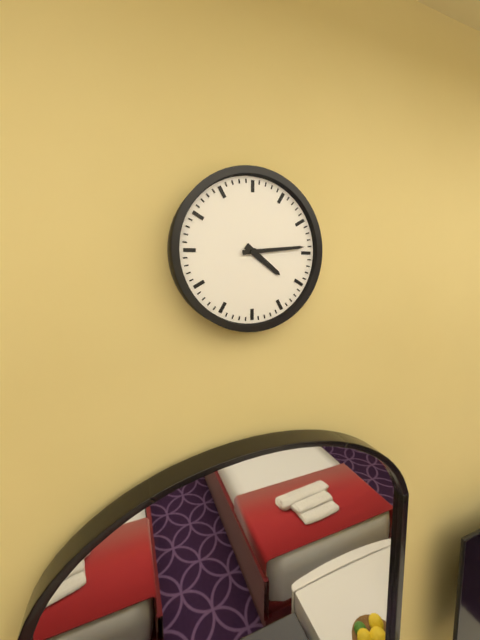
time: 4:14
